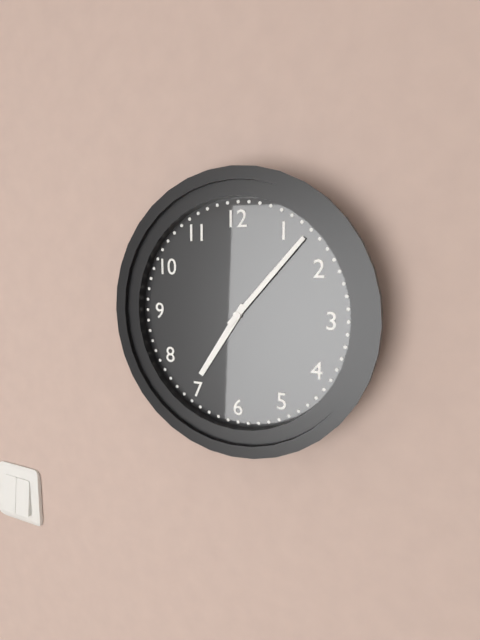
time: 7:07
